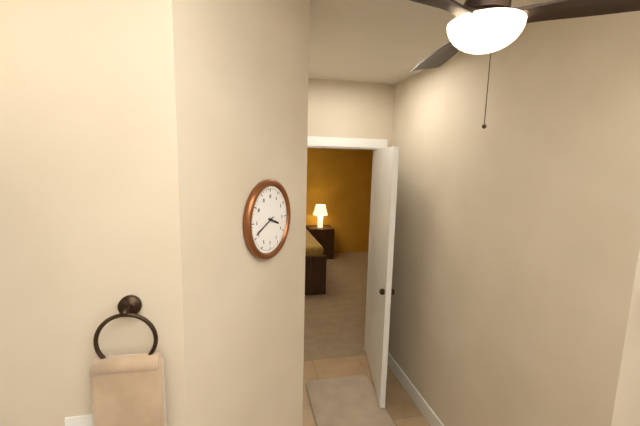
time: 3:41
